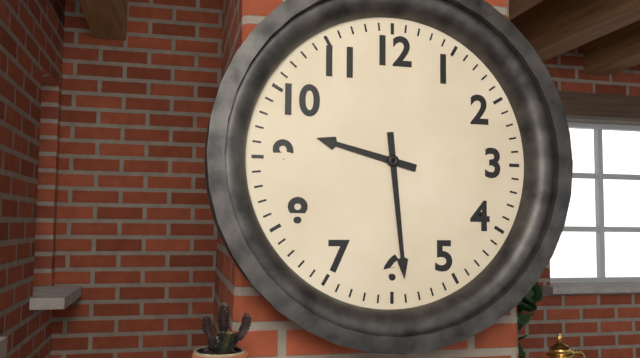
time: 9:29
